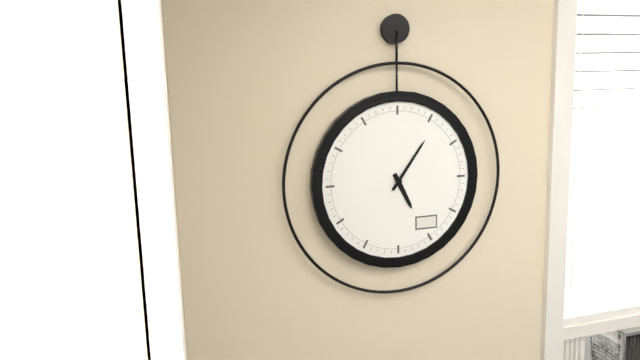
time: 5:06
